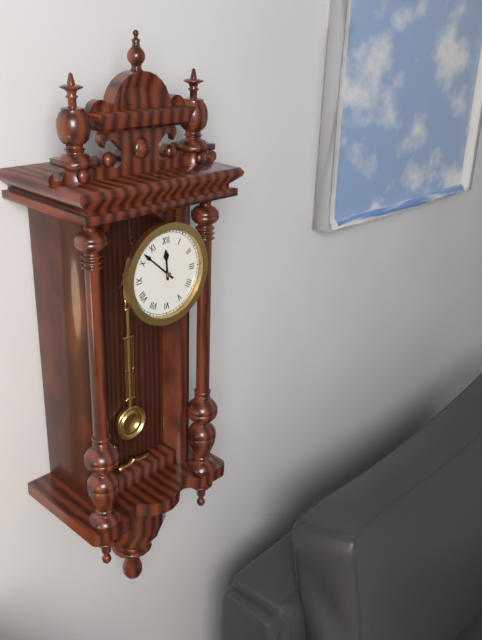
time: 11:52
